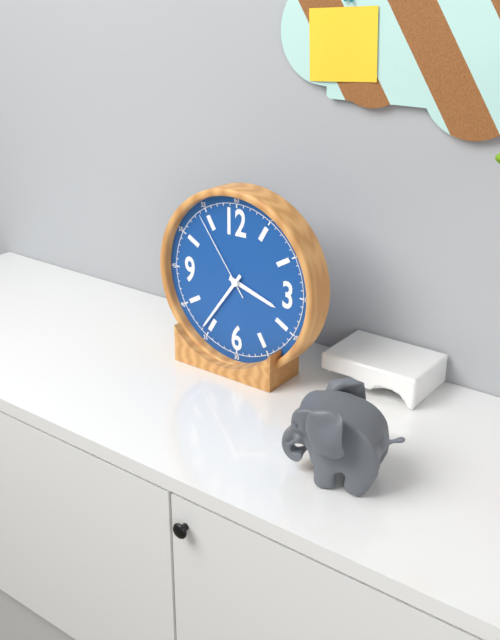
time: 3:36:54
